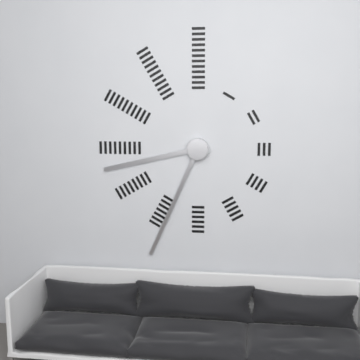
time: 8:34
